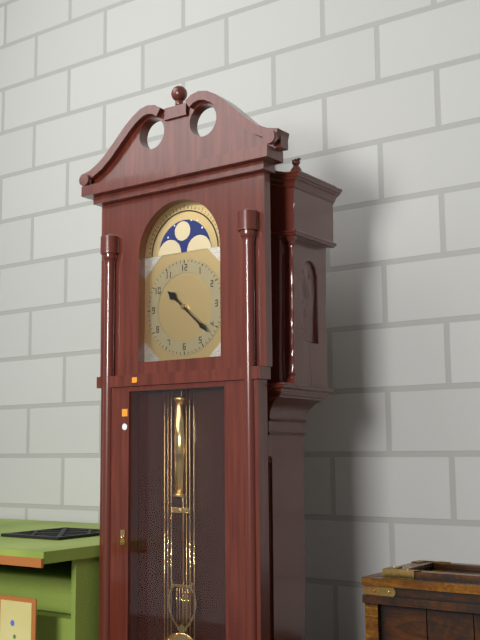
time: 10:22
